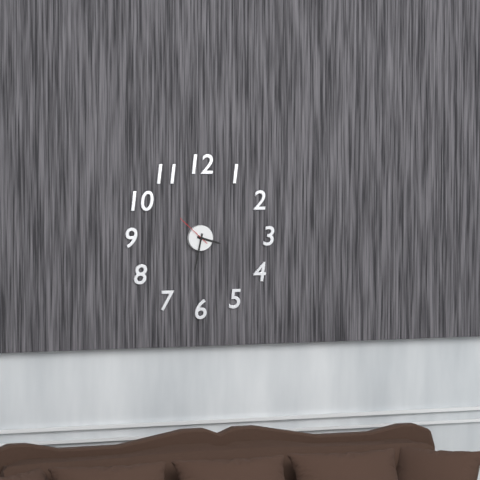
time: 3:32
